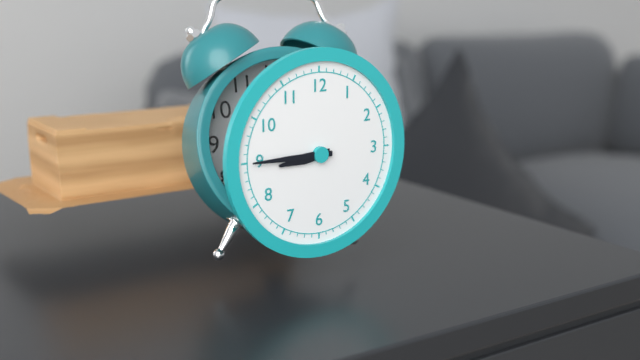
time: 8:45
